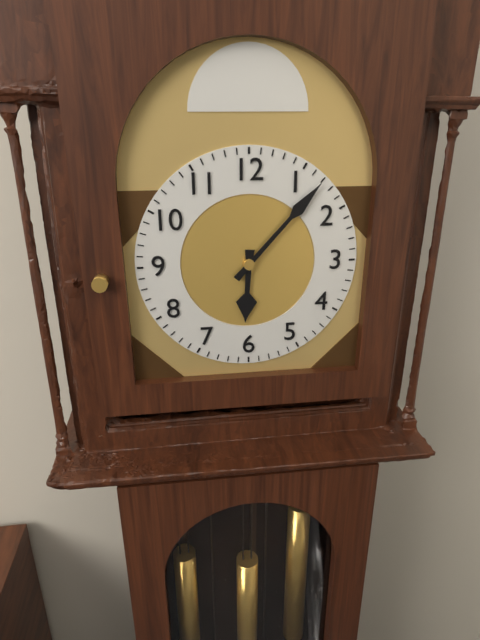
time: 6:07
